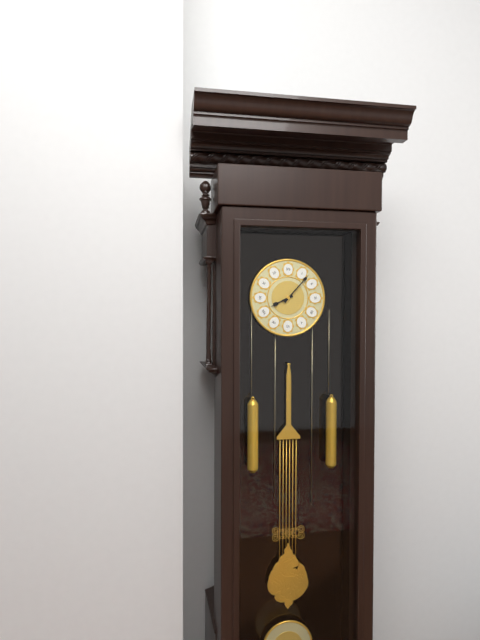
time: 8:07
